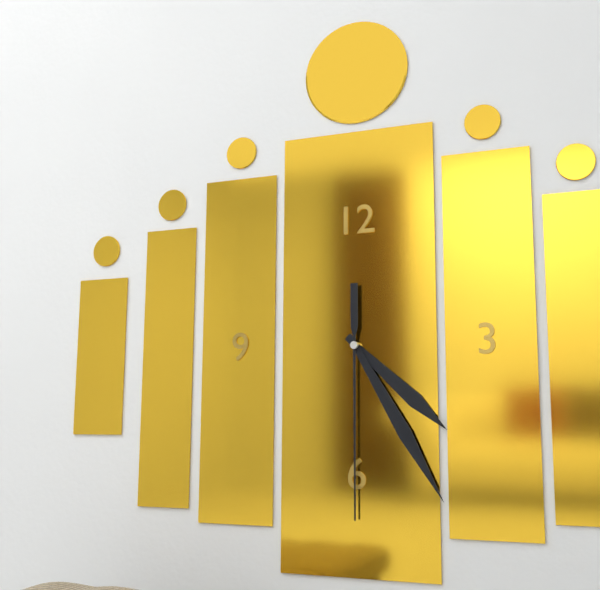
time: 4:25:30
